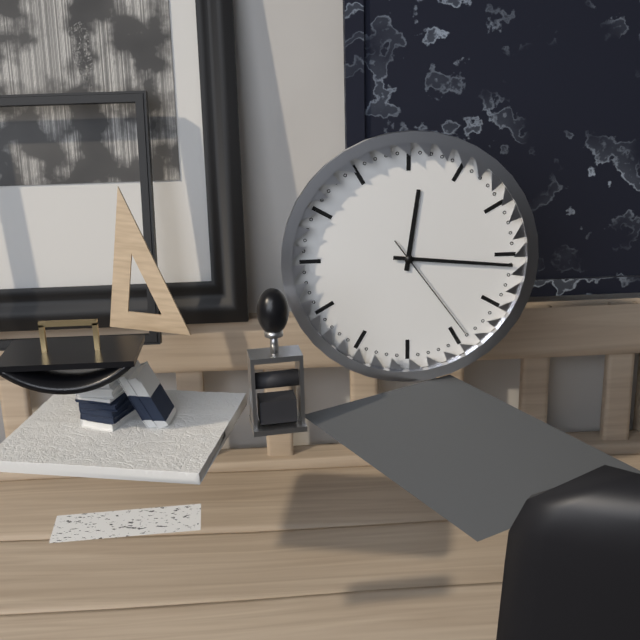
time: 12:16:24
